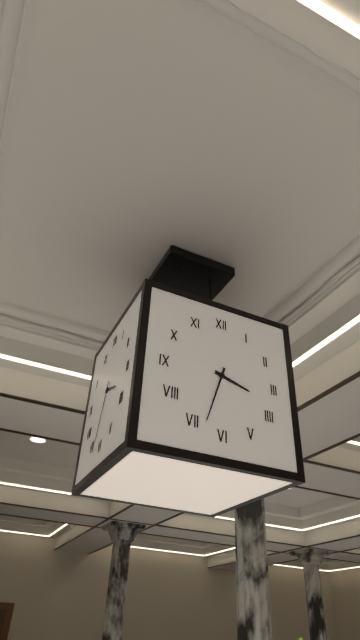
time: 3:33
